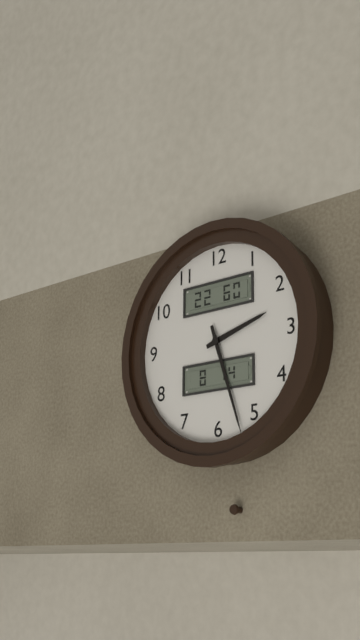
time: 2:27
